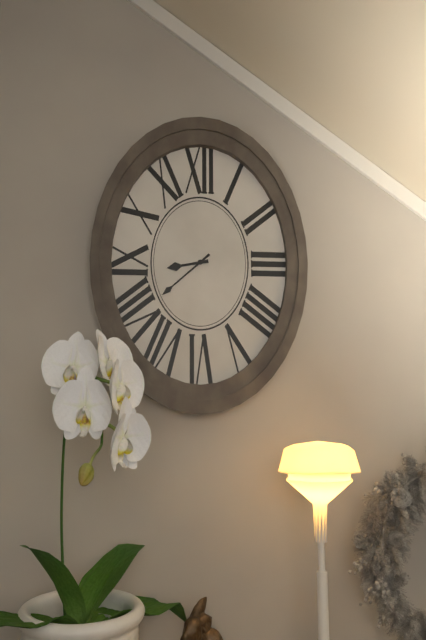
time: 8:38
